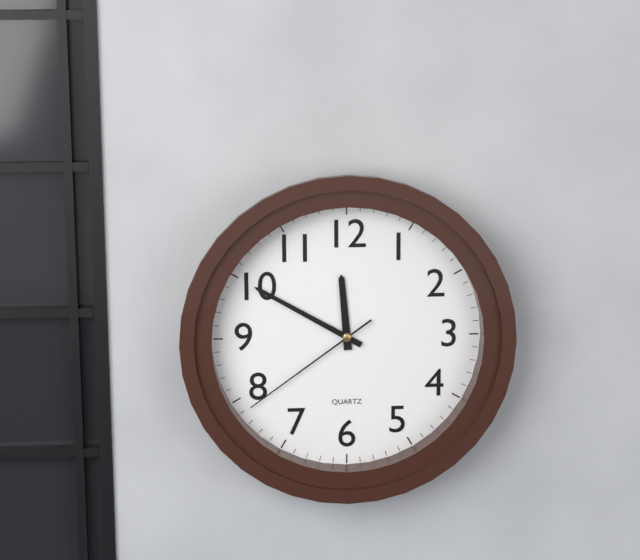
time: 11:50:39
